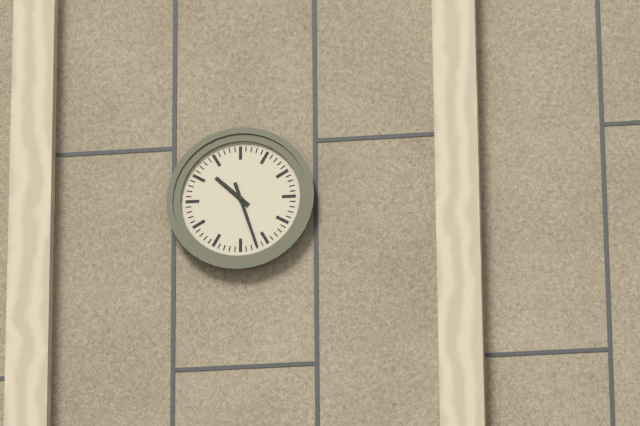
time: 10:27
